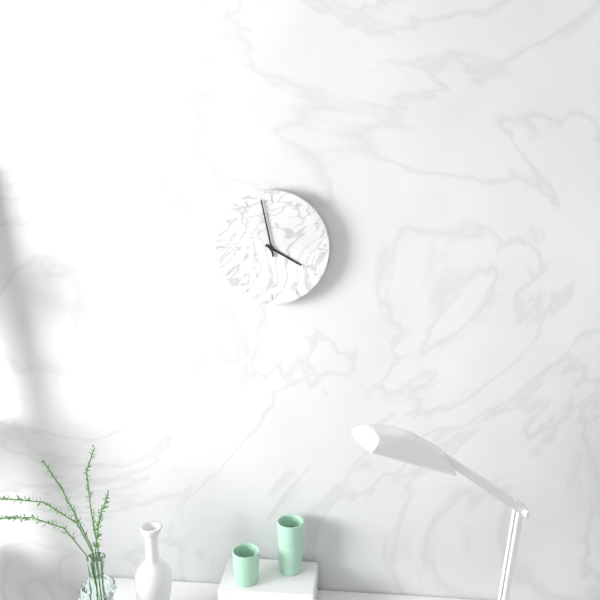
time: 3:58
